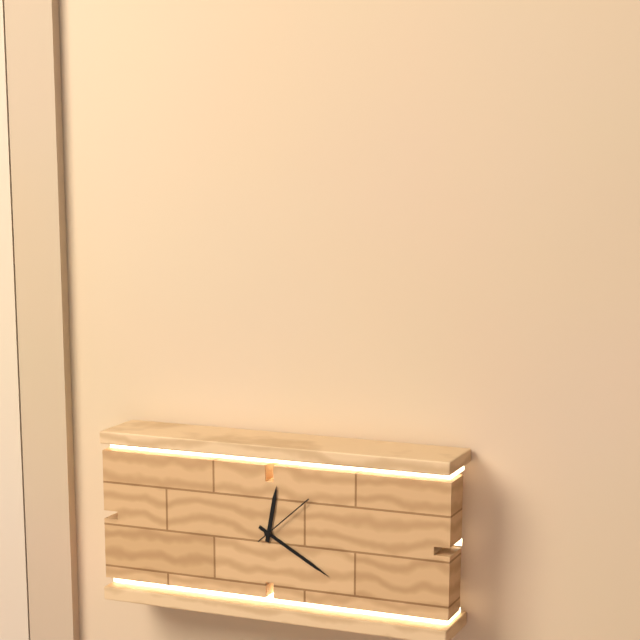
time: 12:20
